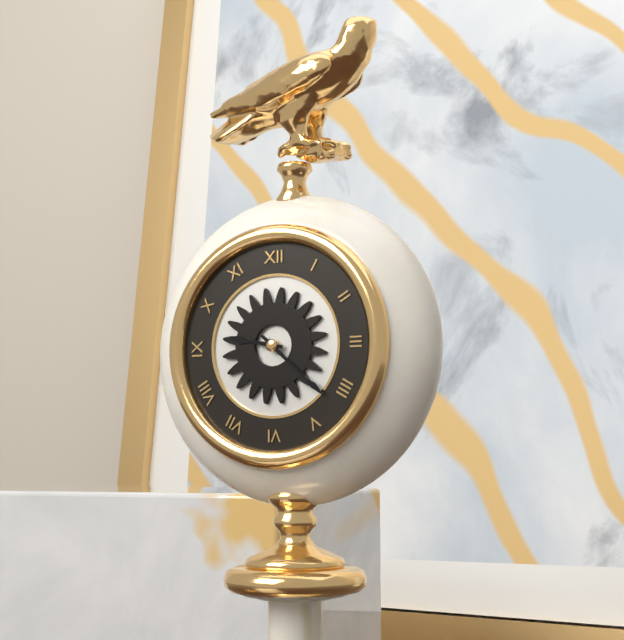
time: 9:22
